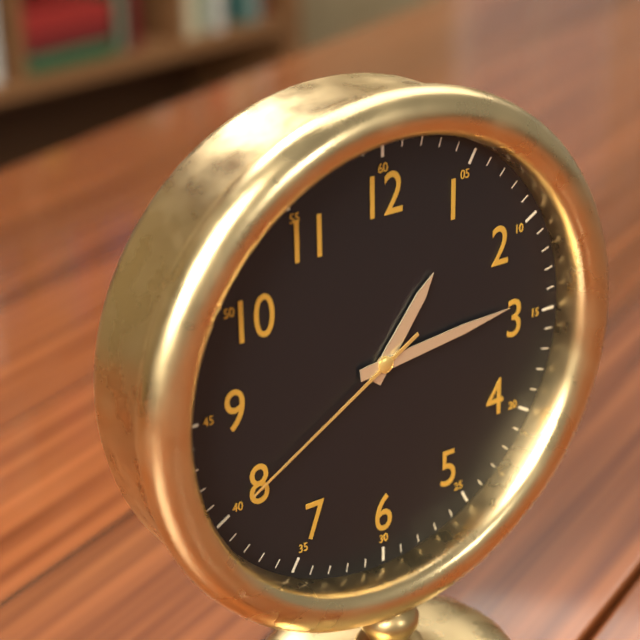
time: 1:14:40
